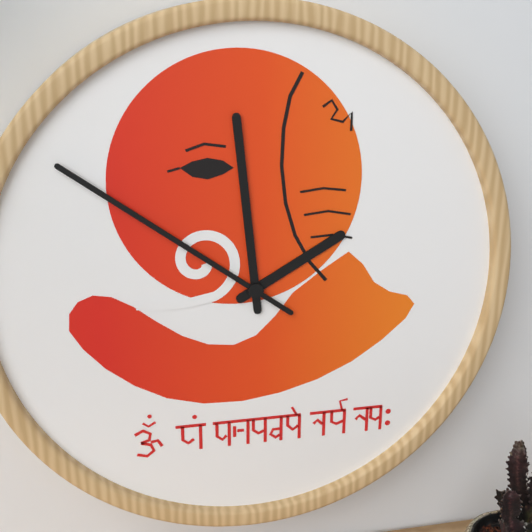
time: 1:59:51
